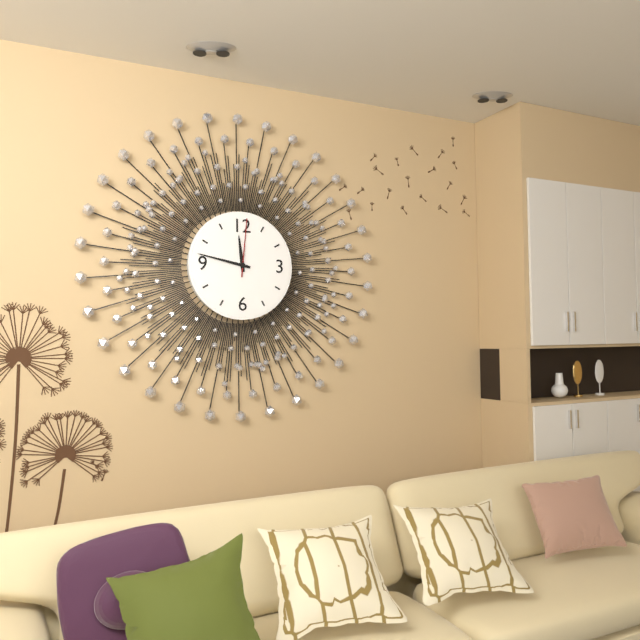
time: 11:47:01
